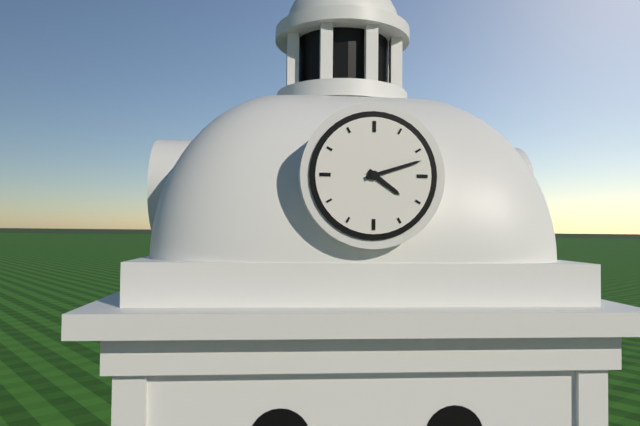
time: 4:12
